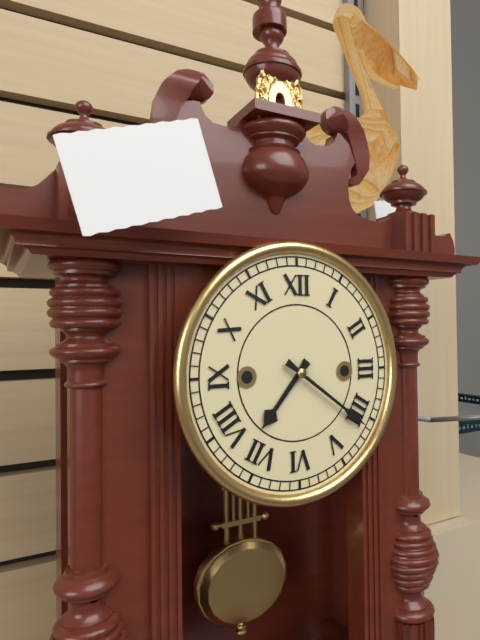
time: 7:21
